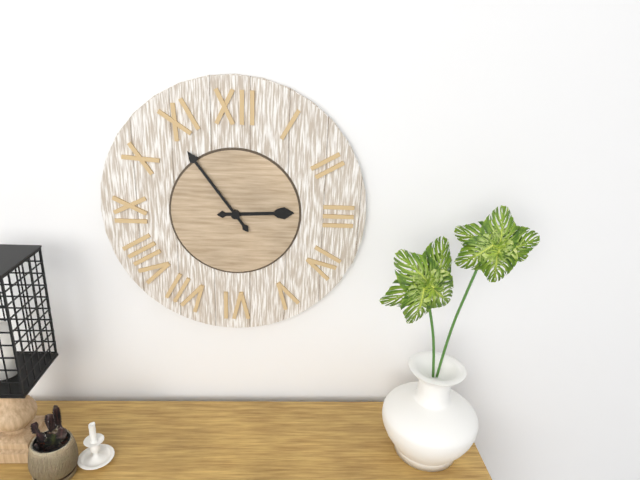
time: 2:54
